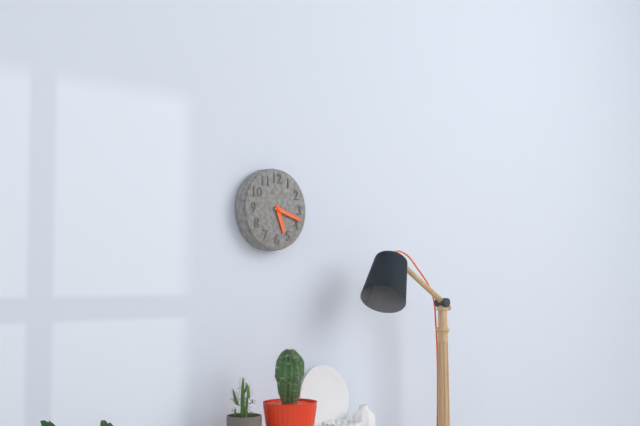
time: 5:18
